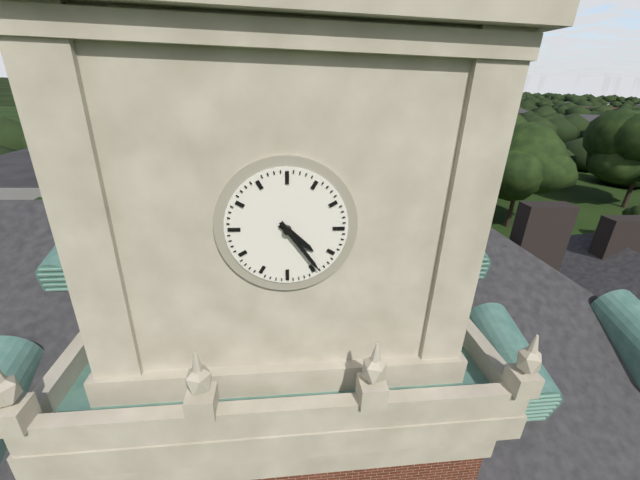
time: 4:24
